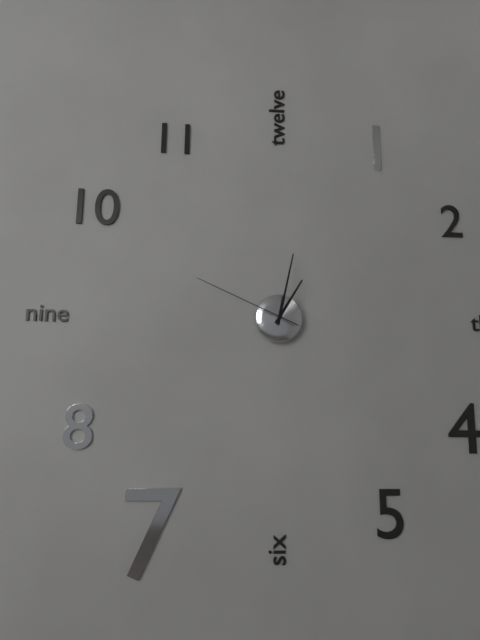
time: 1:02:49
